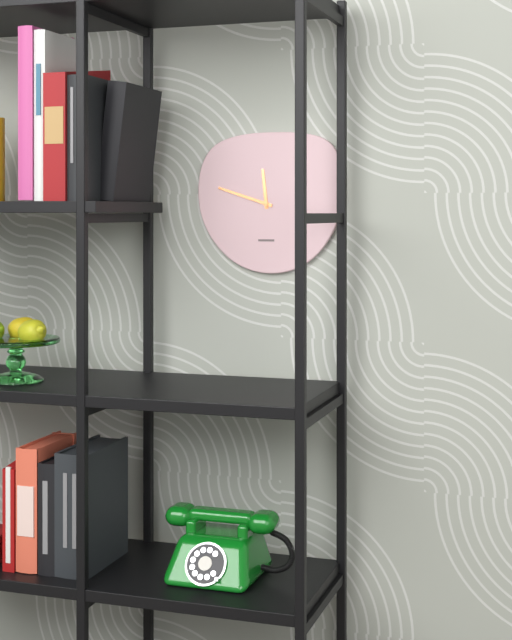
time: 11:48
